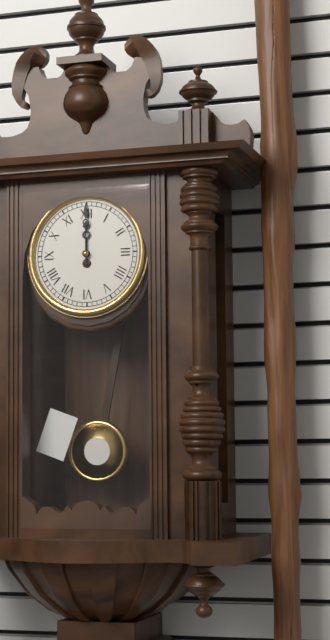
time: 12:00
